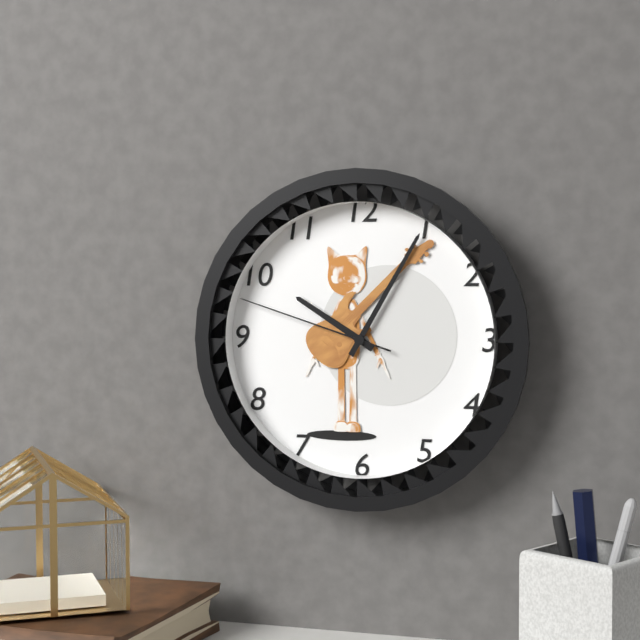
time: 10:05:48
